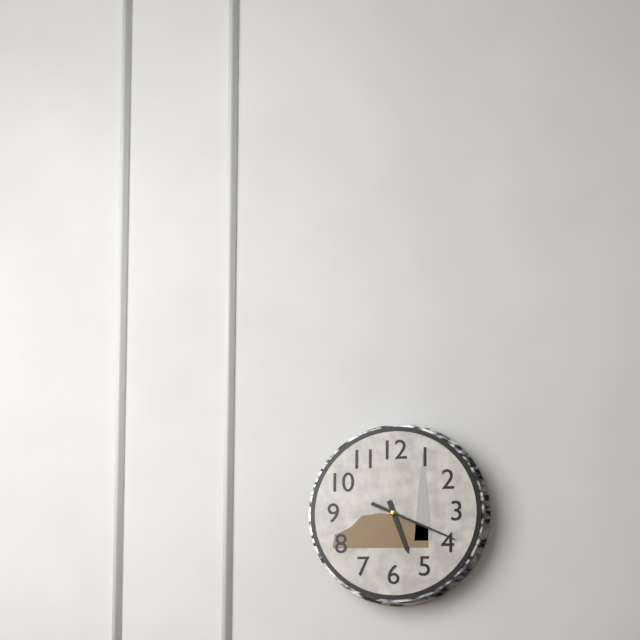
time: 5:19
